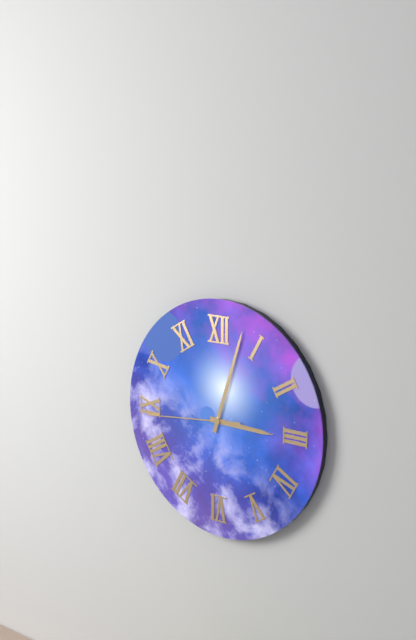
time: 3:03:44
